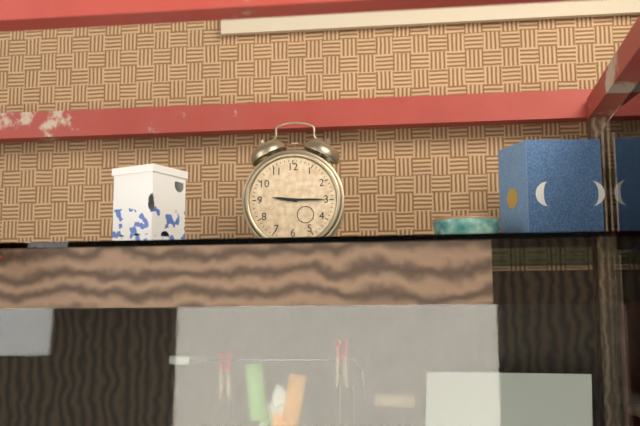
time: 9:15
